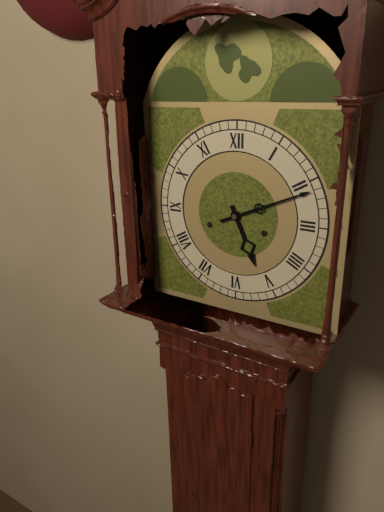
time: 5:11
